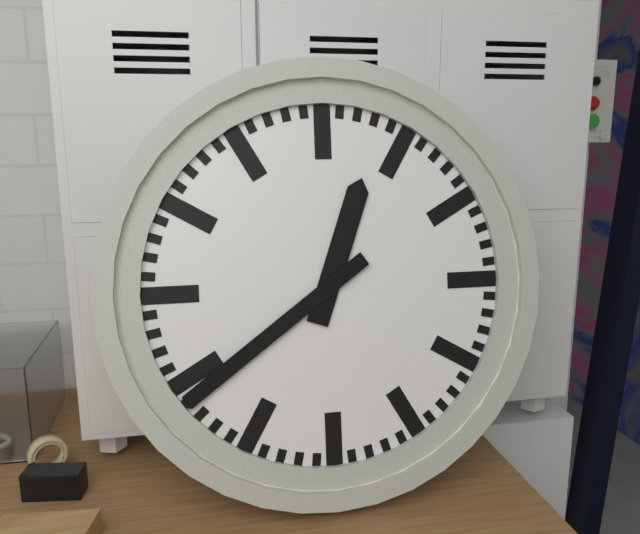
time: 12:39
